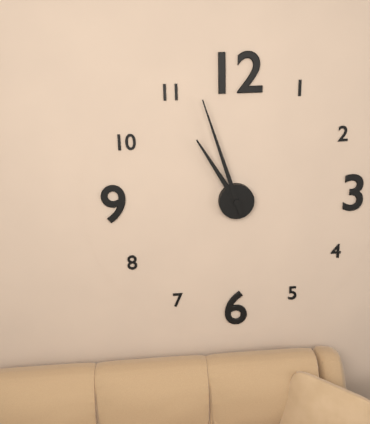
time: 10:57
